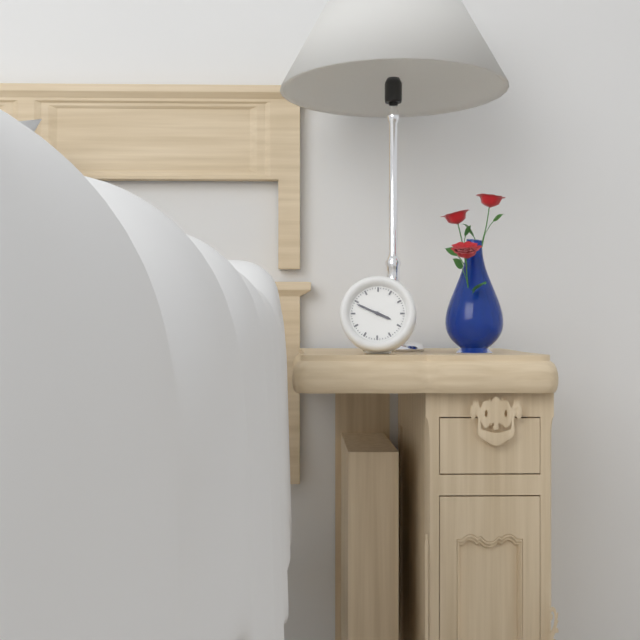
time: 3:49
